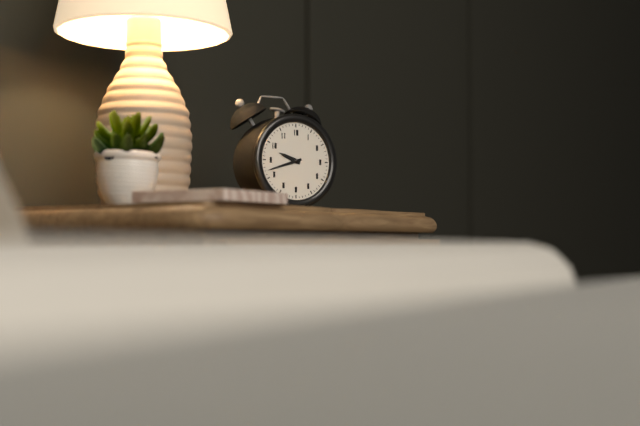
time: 9:42
